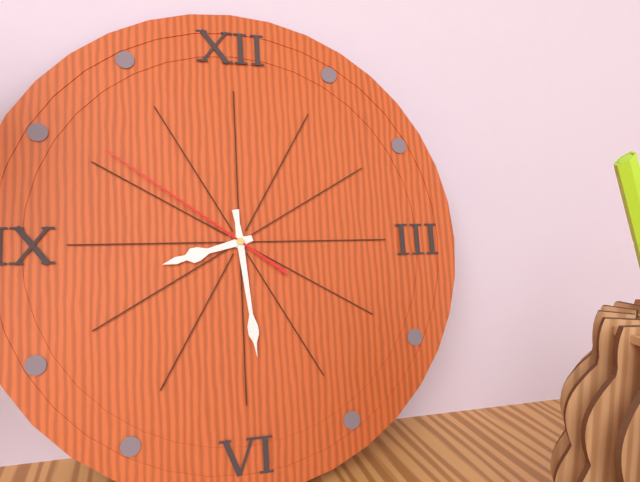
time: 8:29:51
